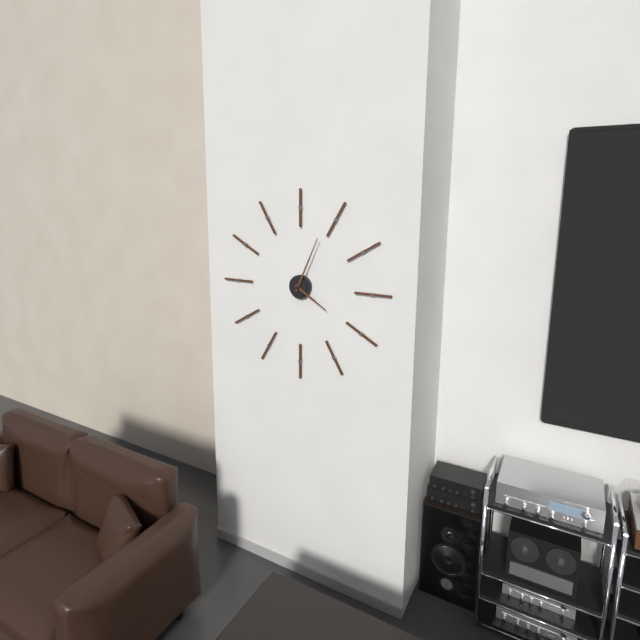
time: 4:04
